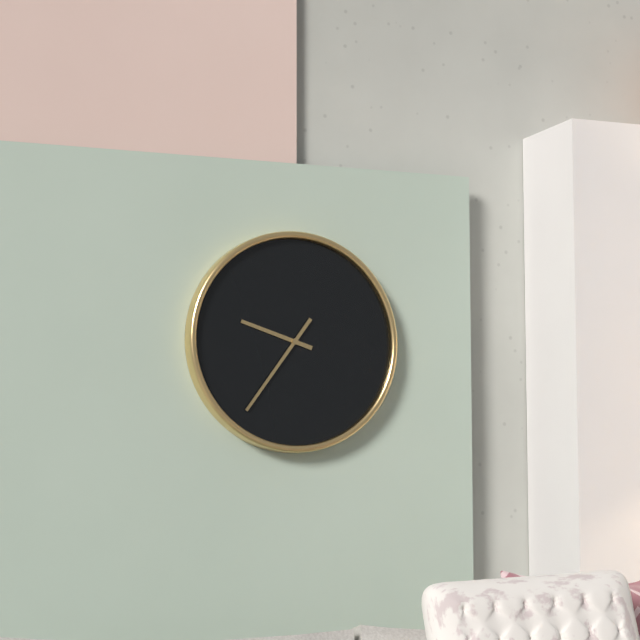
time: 9:36
